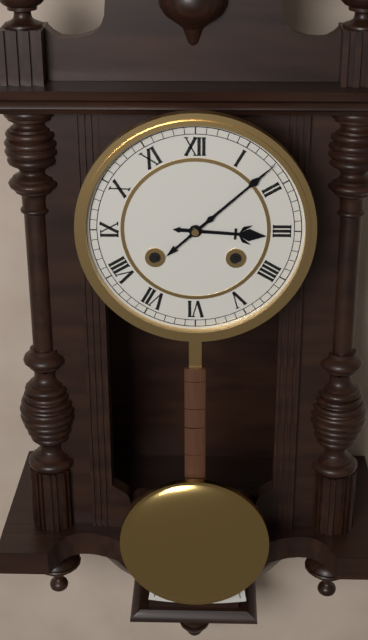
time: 3:08
